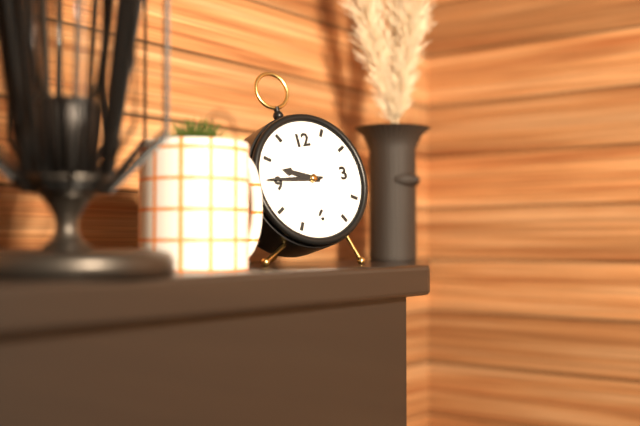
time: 9:46
